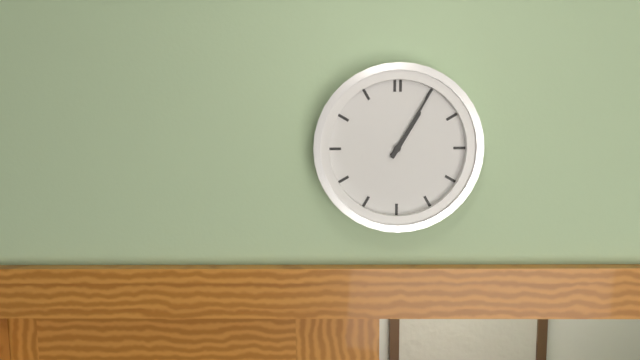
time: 1:05
